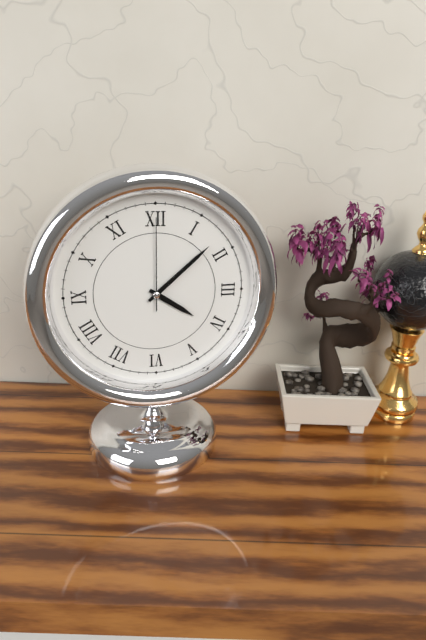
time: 4:08:00
